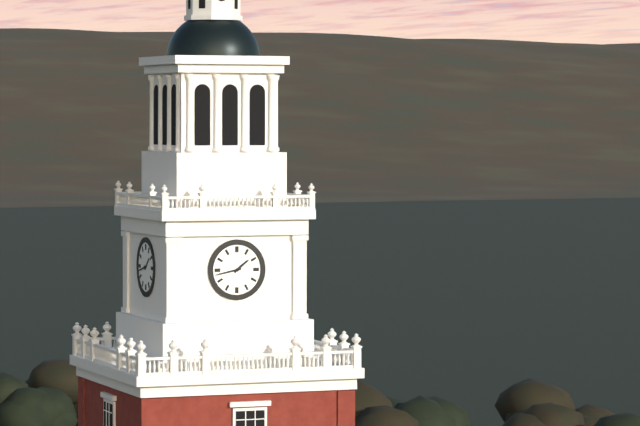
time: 1:43
